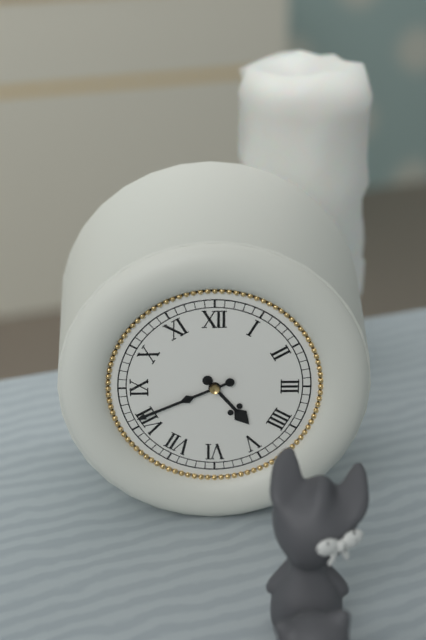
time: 4:41
